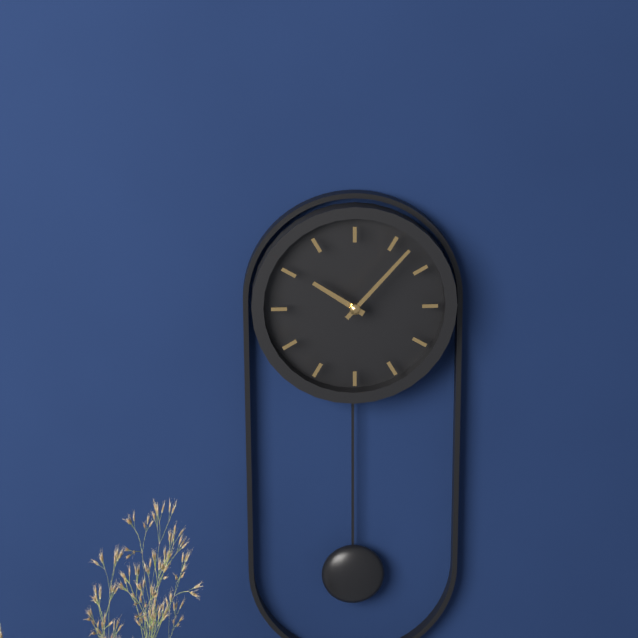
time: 10:07
